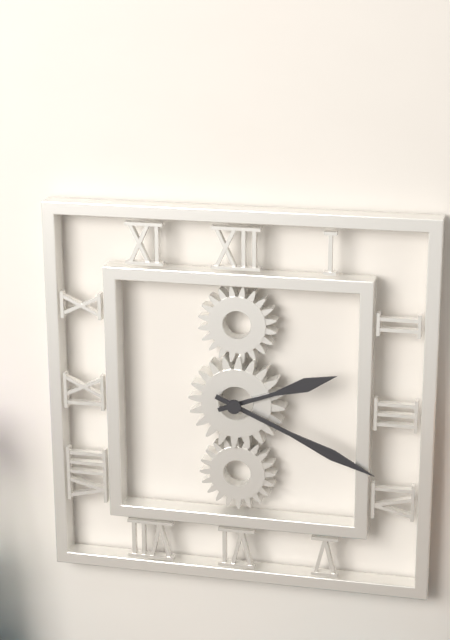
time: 2:19
